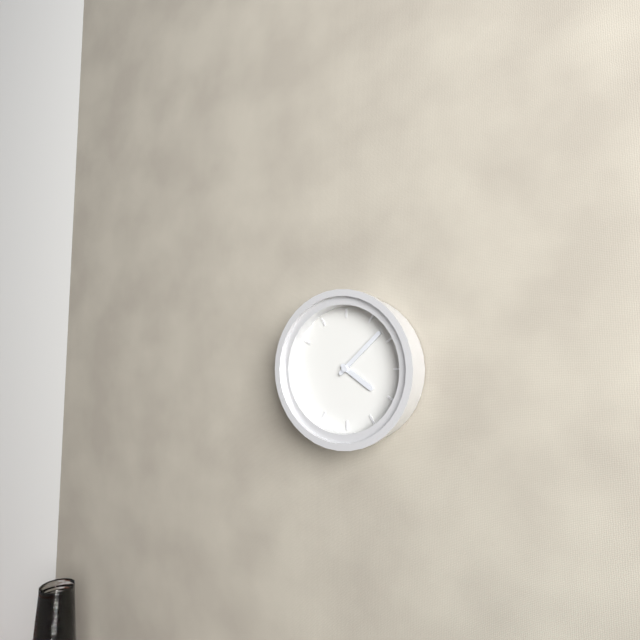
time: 4:08
